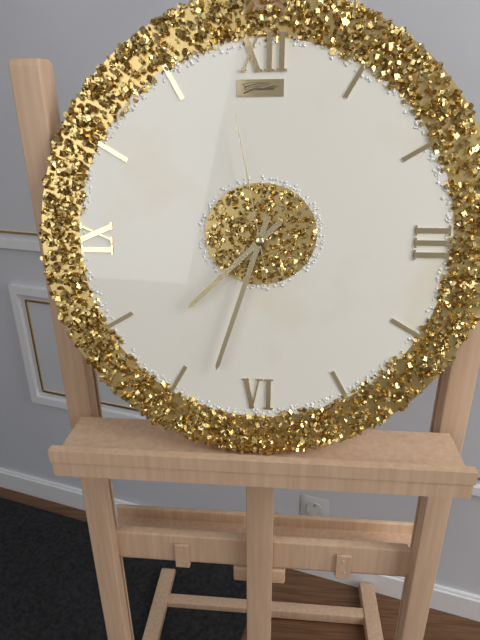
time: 7:33:58
